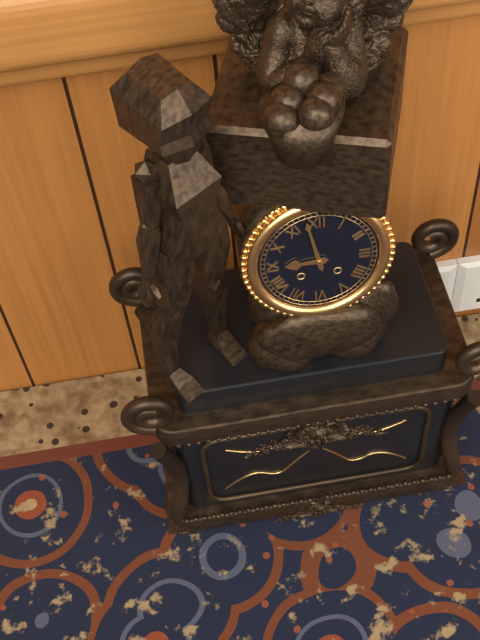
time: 8:58
